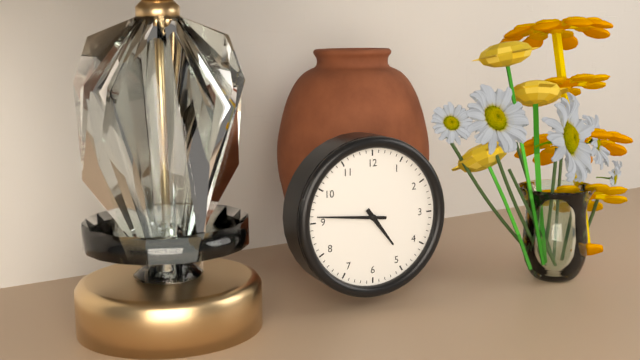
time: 4:46
